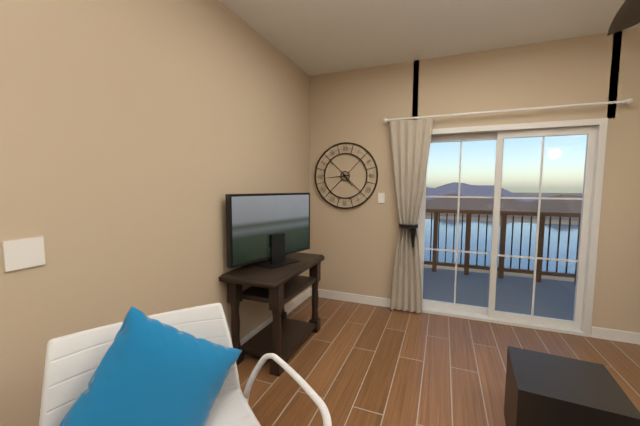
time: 4:44
